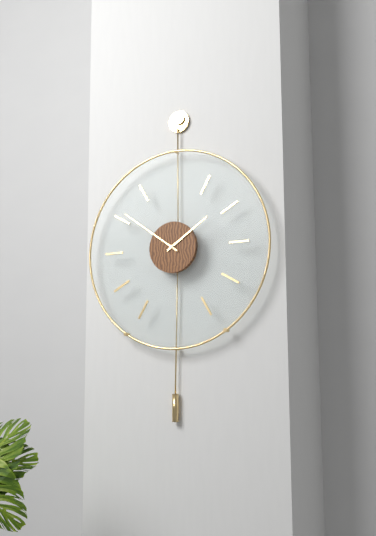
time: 1:51
